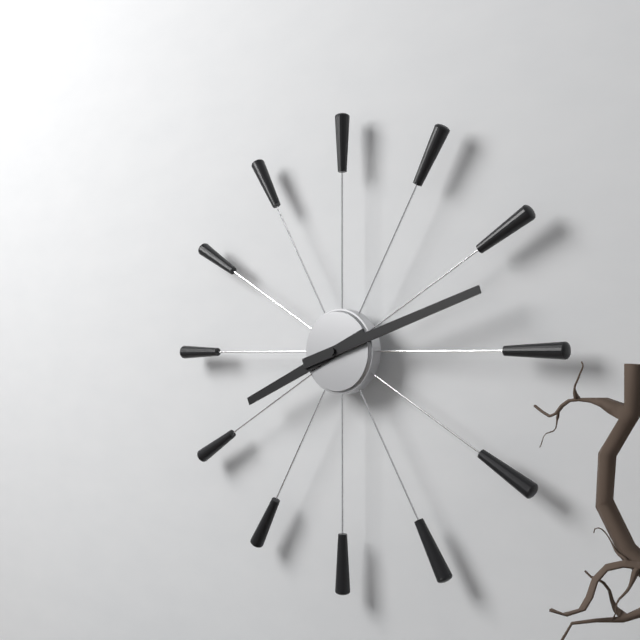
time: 8:12
